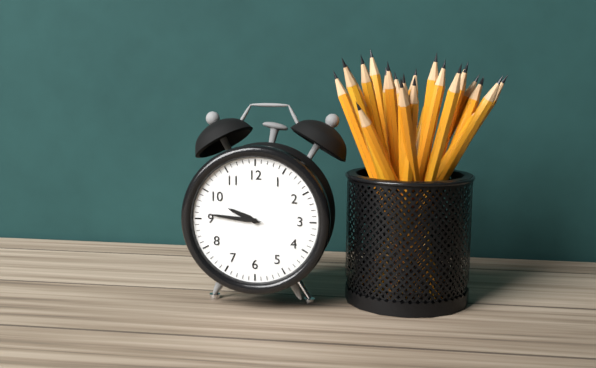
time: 9:46
